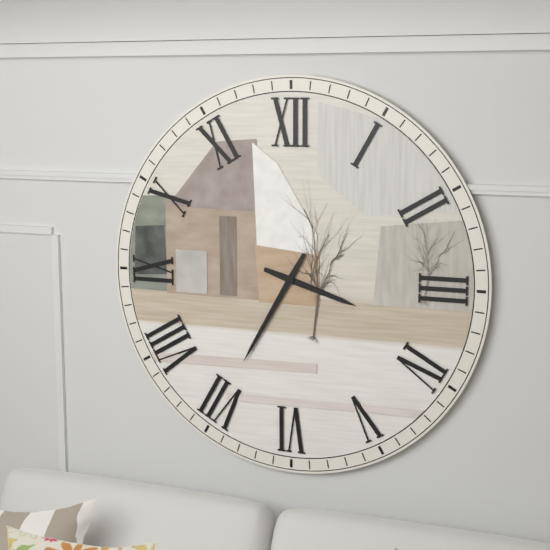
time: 3:35
